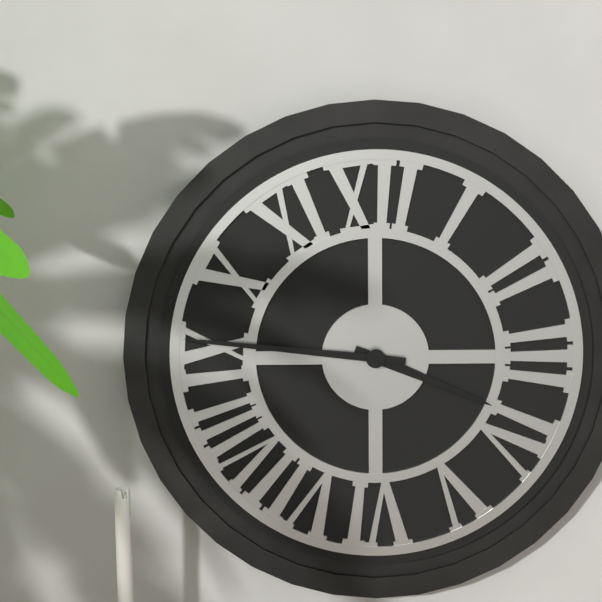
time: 3:46
